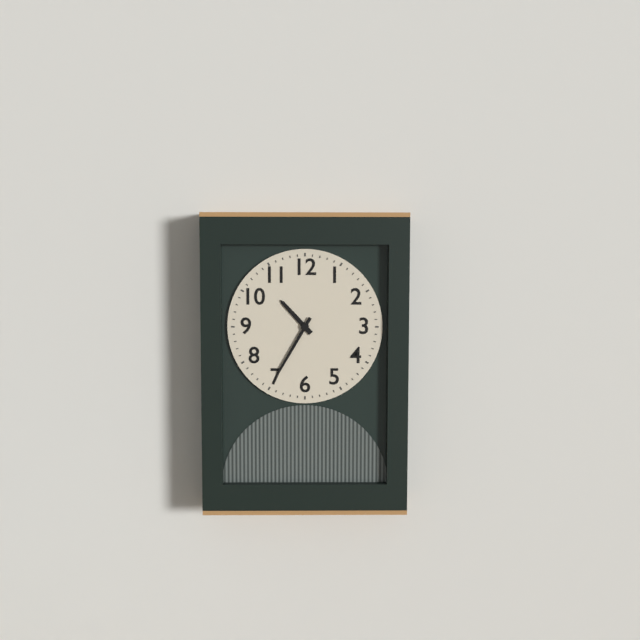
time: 10:35
